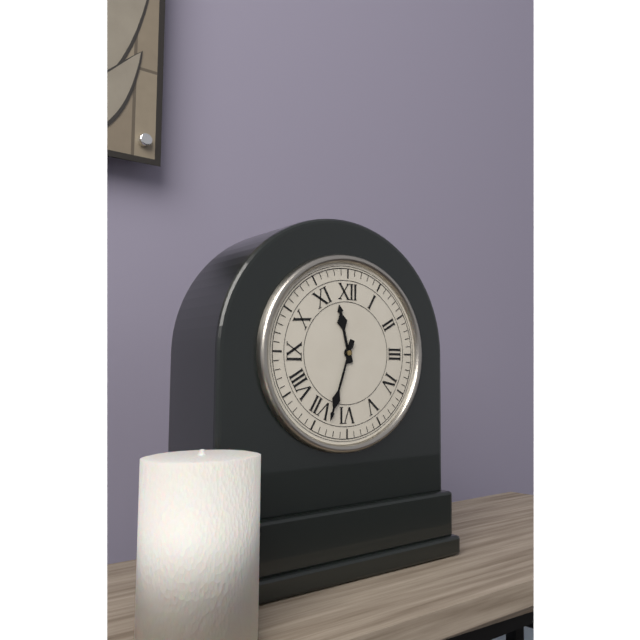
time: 11:33
